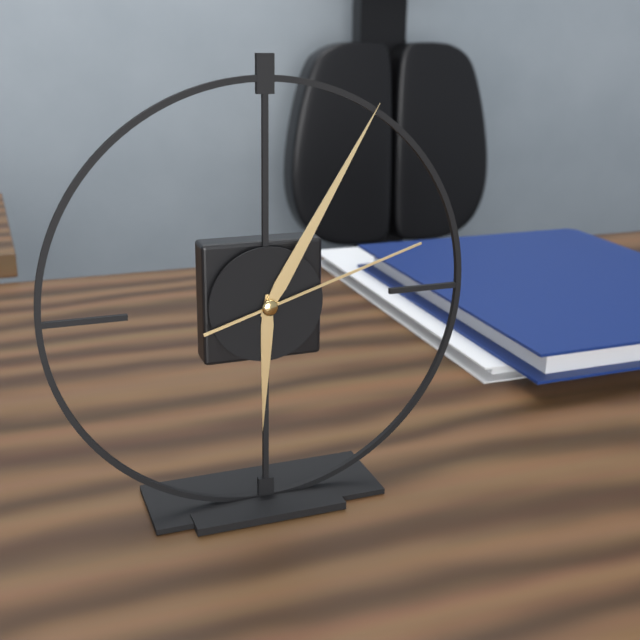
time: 6:05:12
